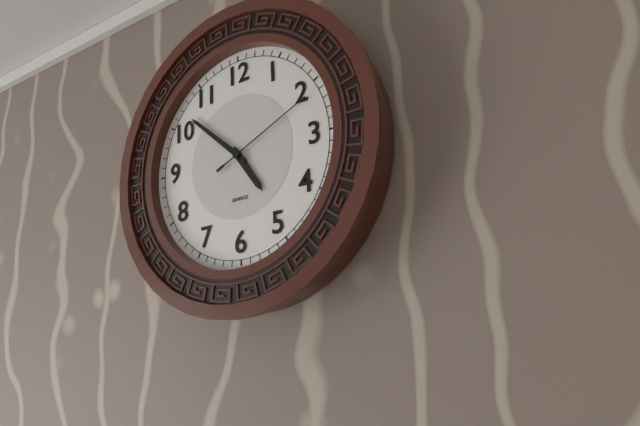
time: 4:52:11
